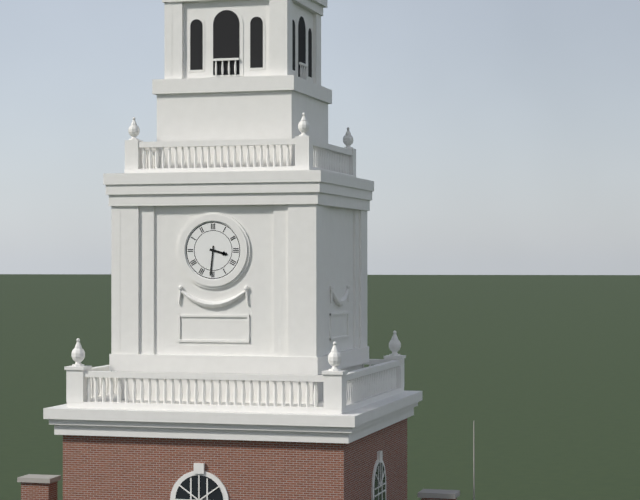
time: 3:31
